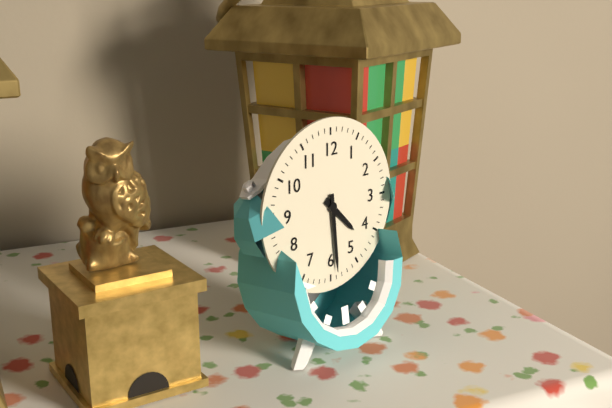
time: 4:29
